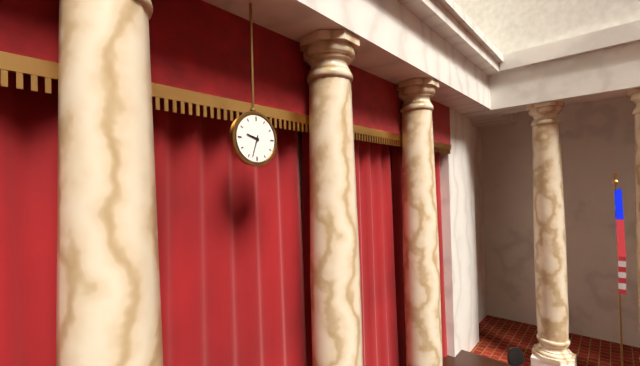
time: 9:33
